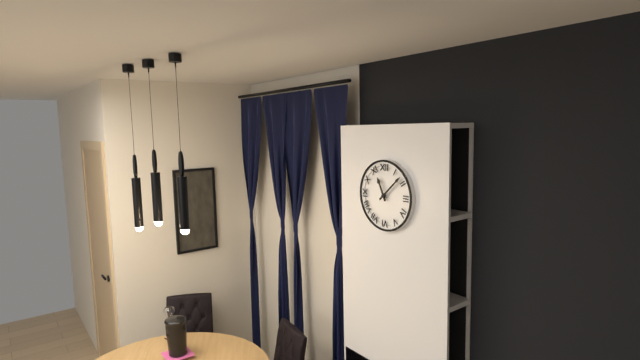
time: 11:08
